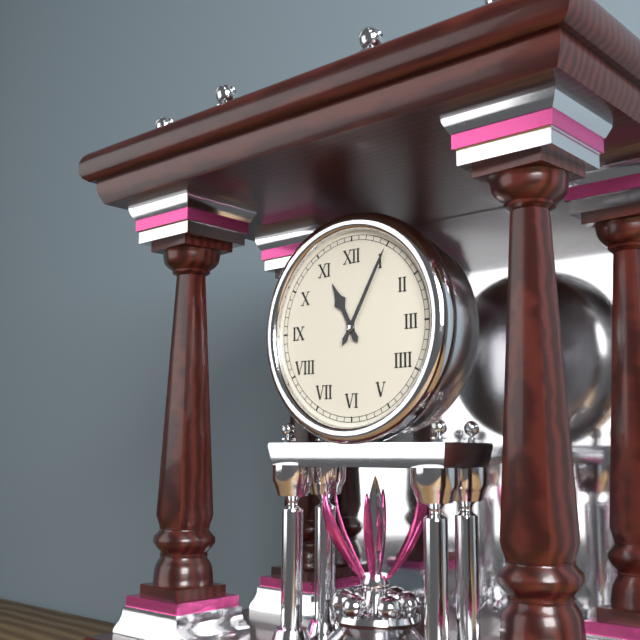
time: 11:05
